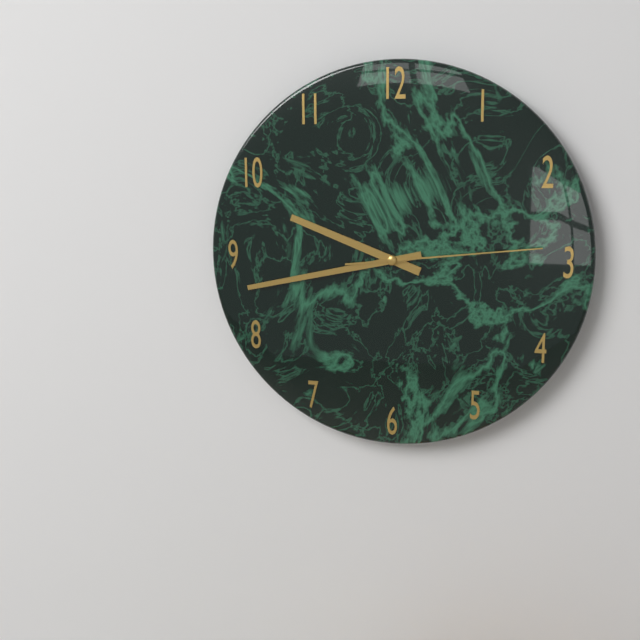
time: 9:43:14
